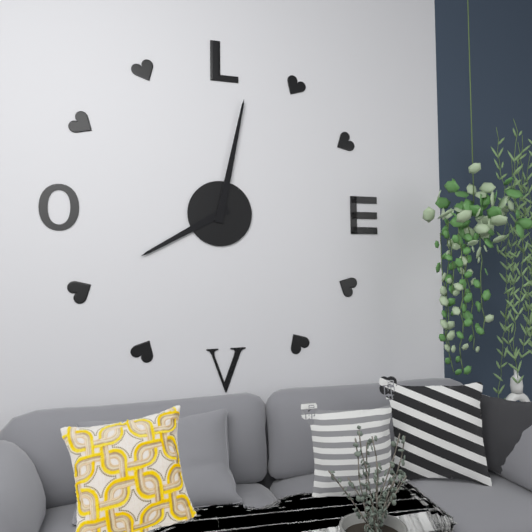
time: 8:02
